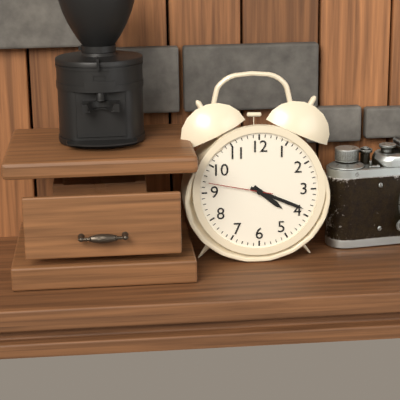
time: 4:19:47
